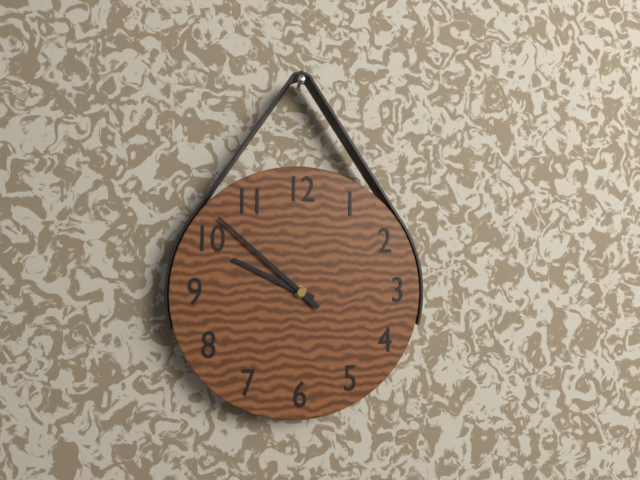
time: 9:52
